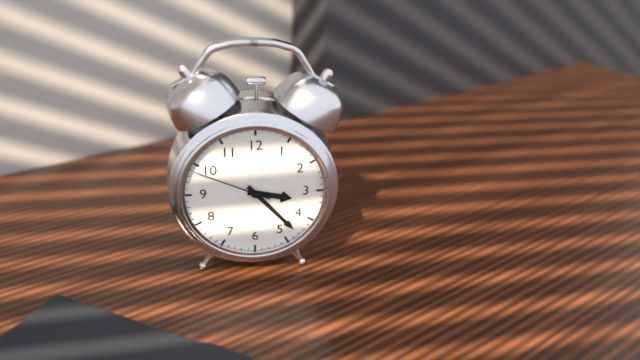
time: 3:23:49
